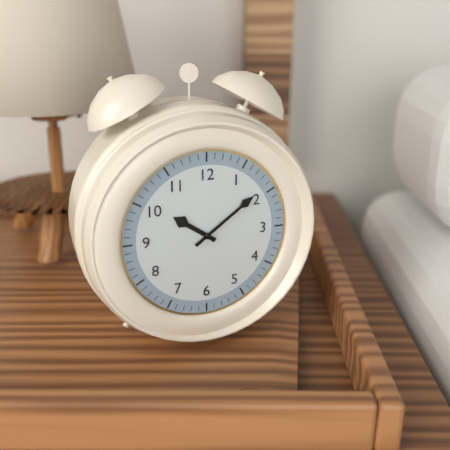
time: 10:09
